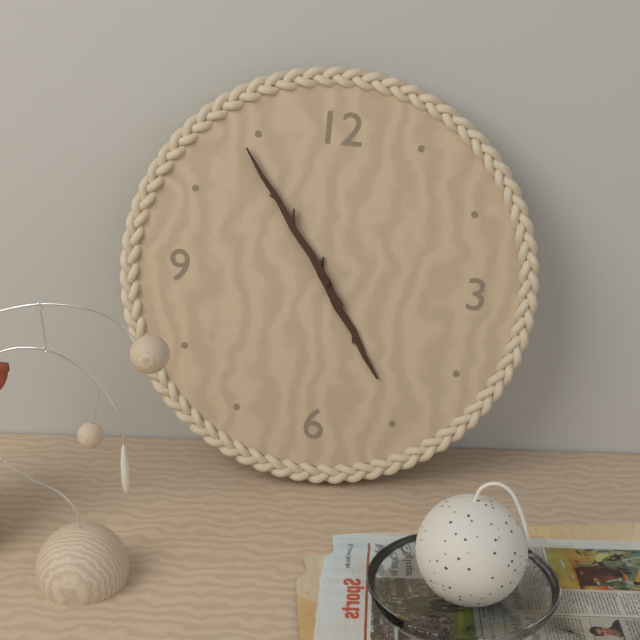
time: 4:54
